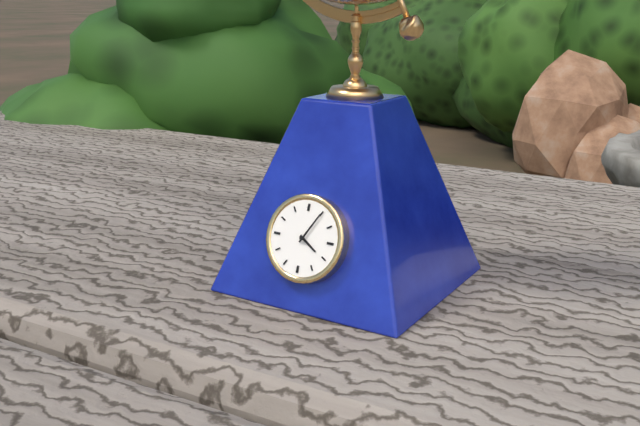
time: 4:05
